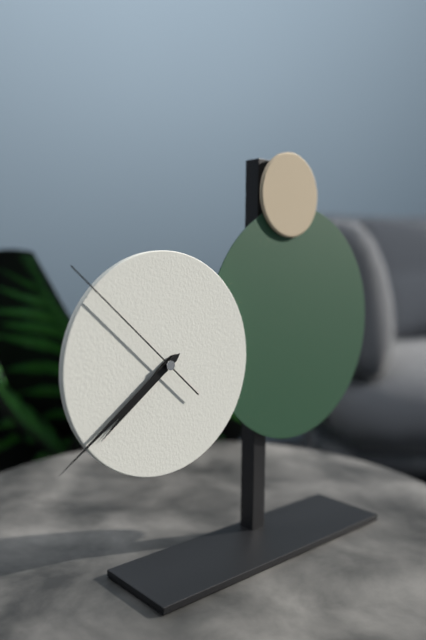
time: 7:39:52
